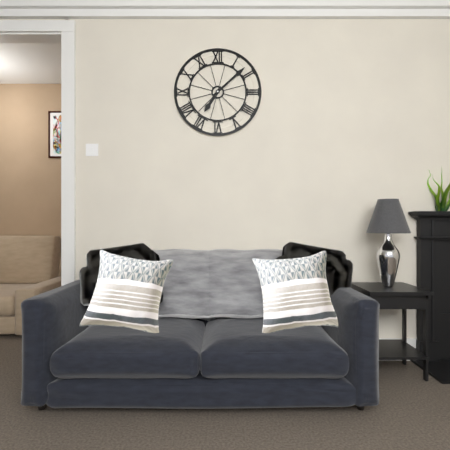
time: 7:08
